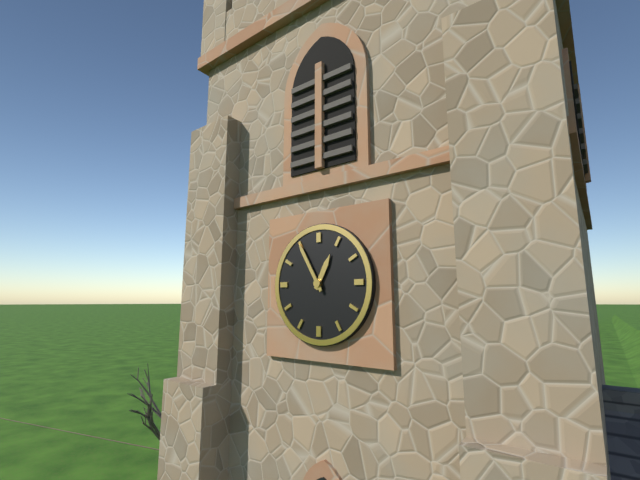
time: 12:55
